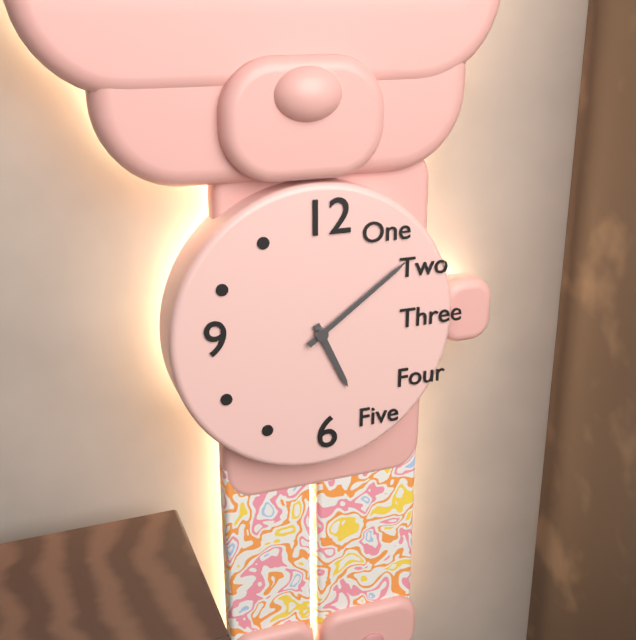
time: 5:09
